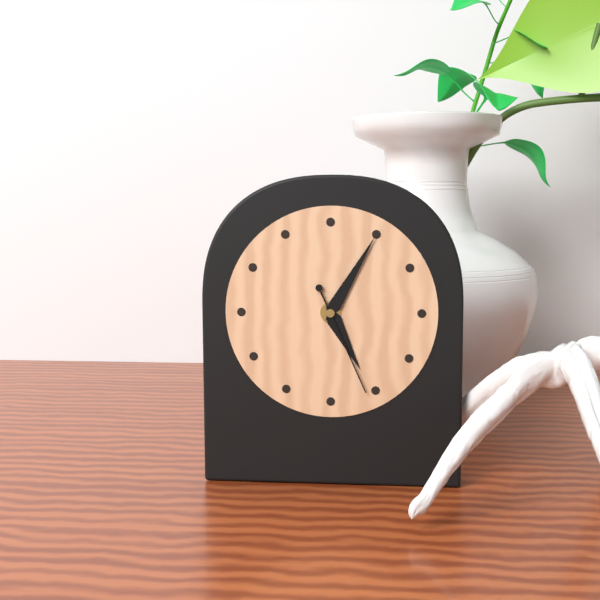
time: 5:05:26
